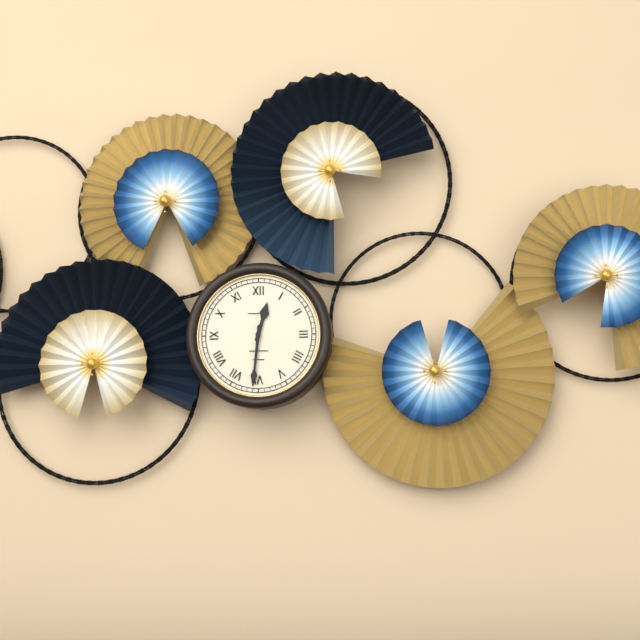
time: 12:31
